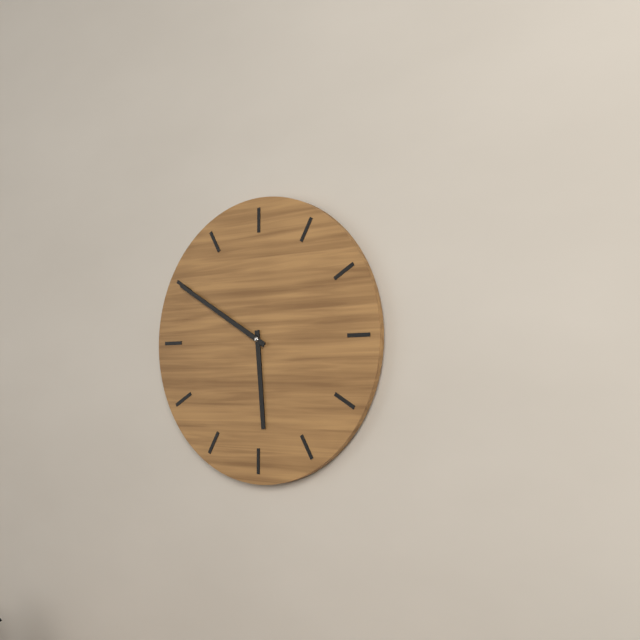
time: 5:50
